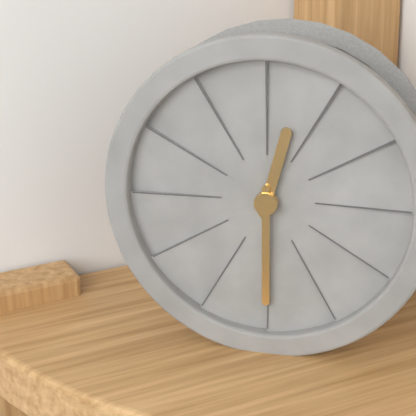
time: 12:30
